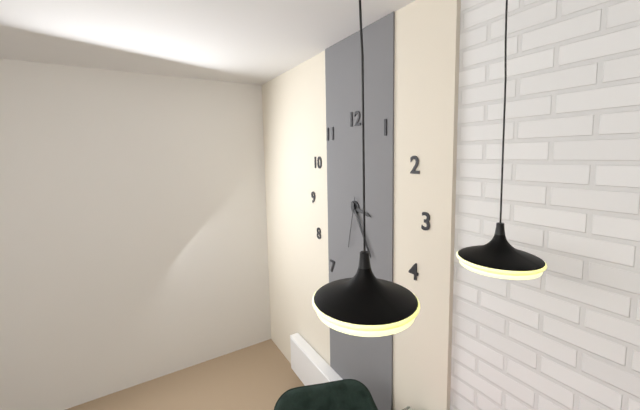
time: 3:25:32
